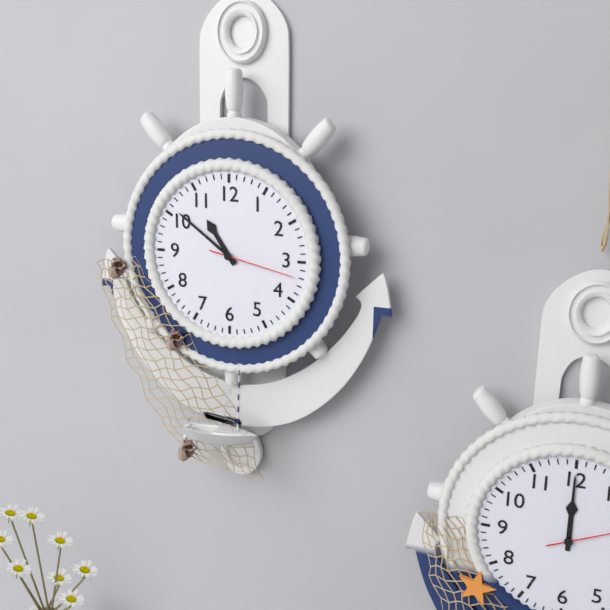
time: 10:51:17
